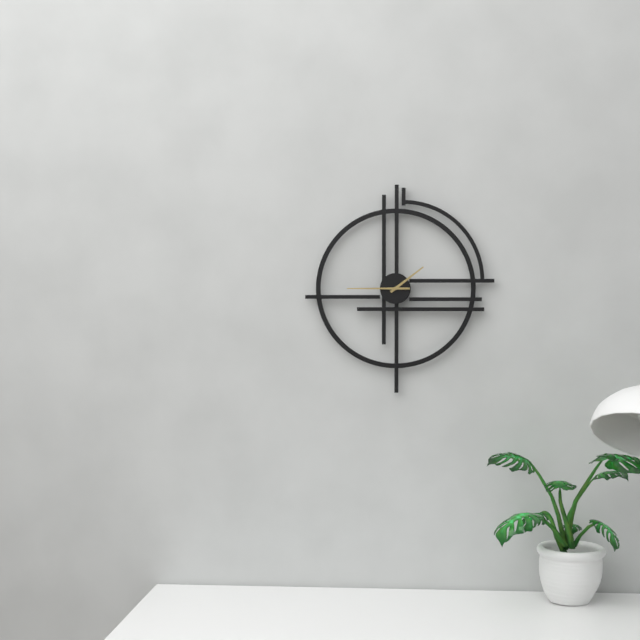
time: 1:45
